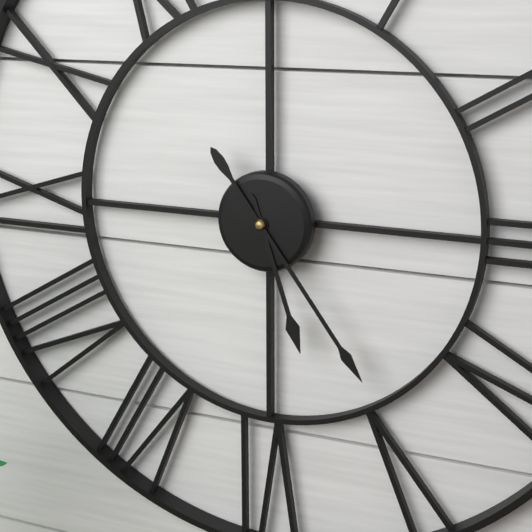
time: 5:24
